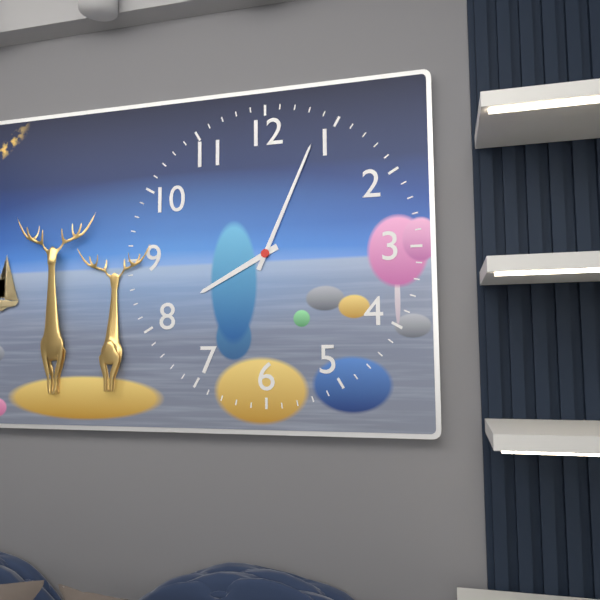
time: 8:04
